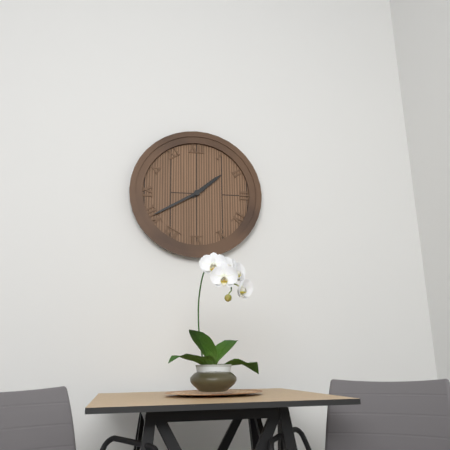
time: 1:40
